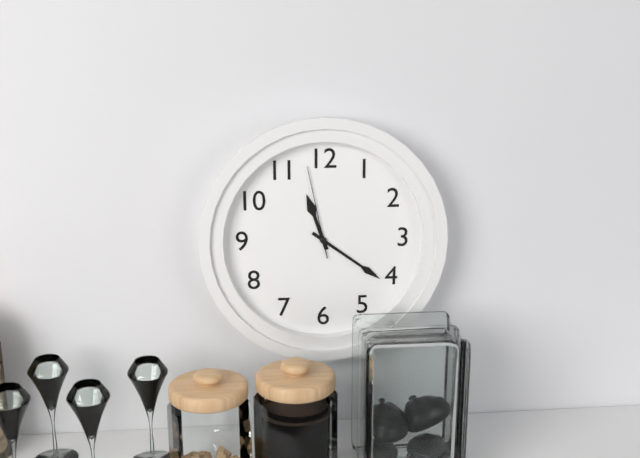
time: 11:21:58
